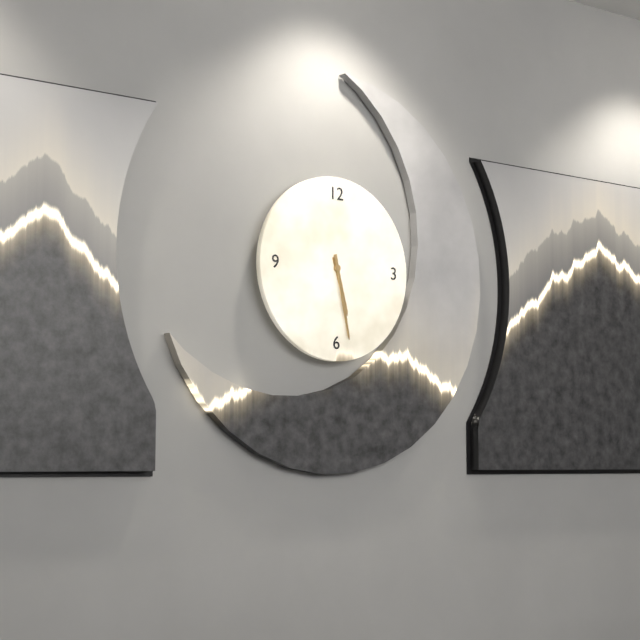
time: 5:28
